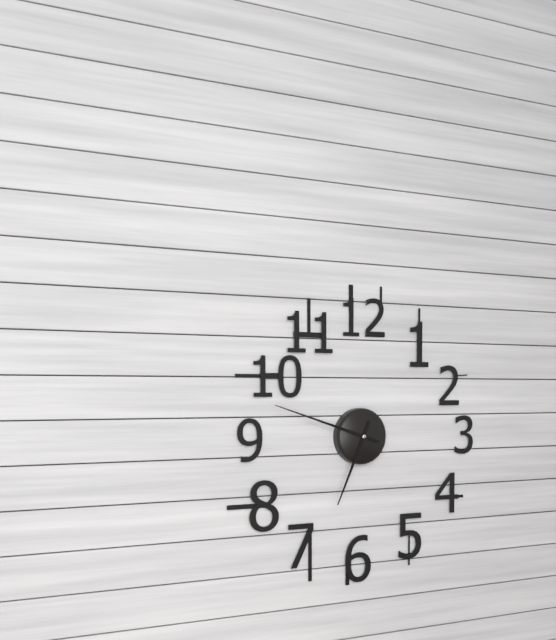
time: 6:48
